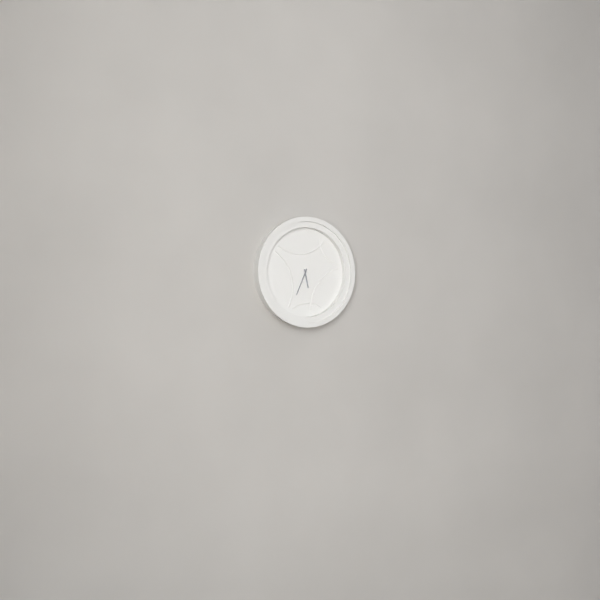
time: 5:34
